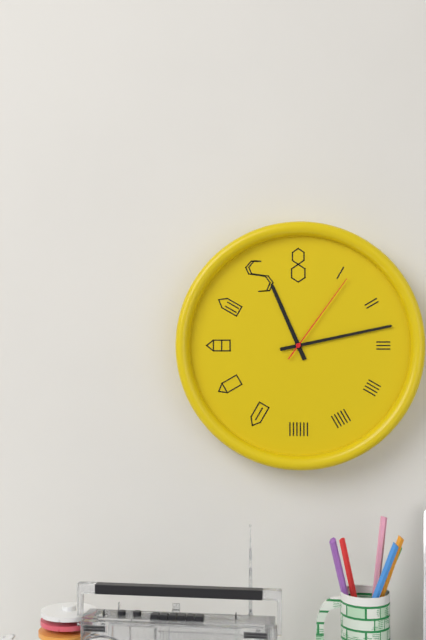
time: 11:13:06
